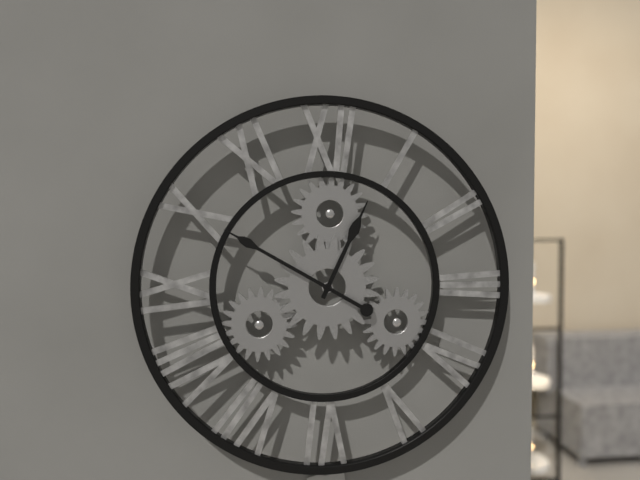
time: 12:50
